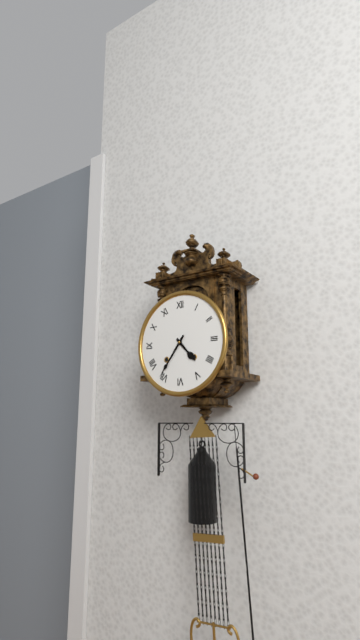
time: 4:36
